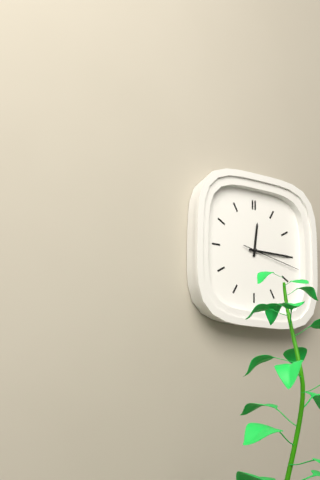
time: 12:15:17
